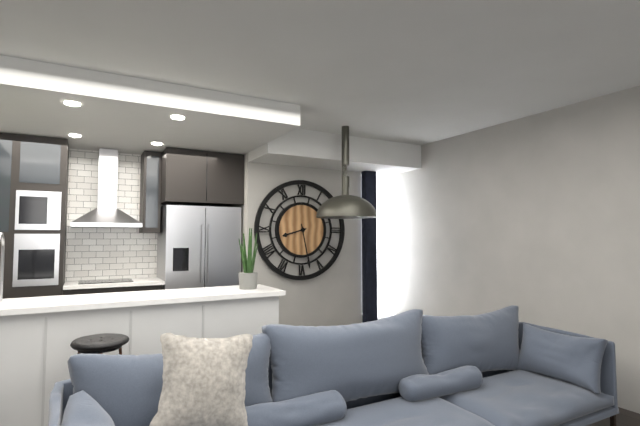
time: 8:28
